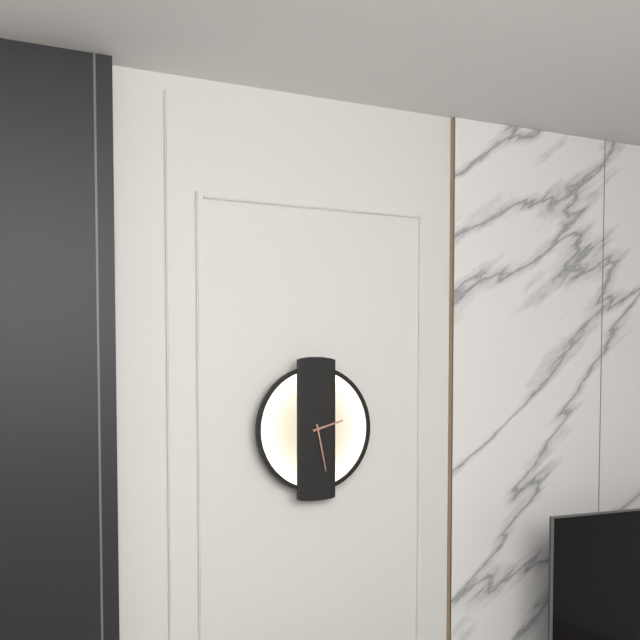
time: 2:28
